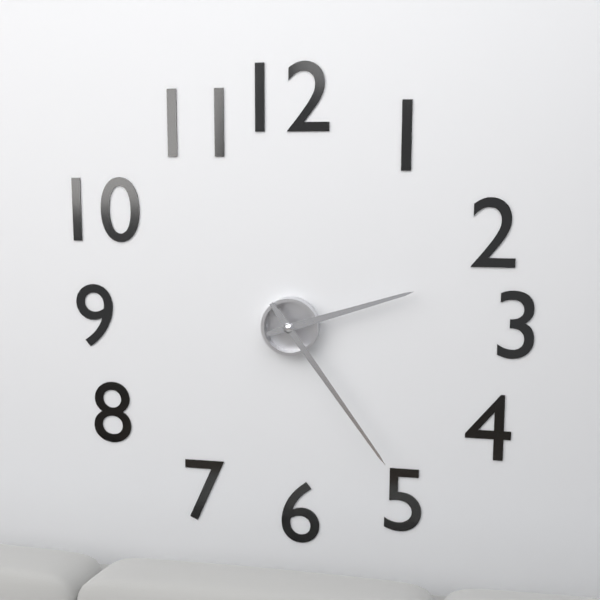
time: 2:24
